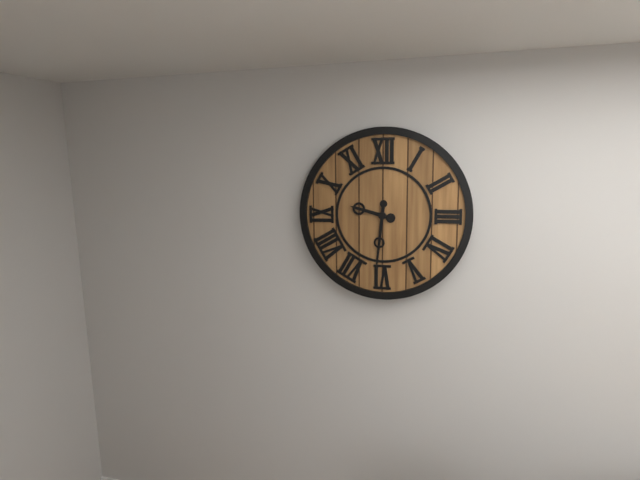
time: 9:31
